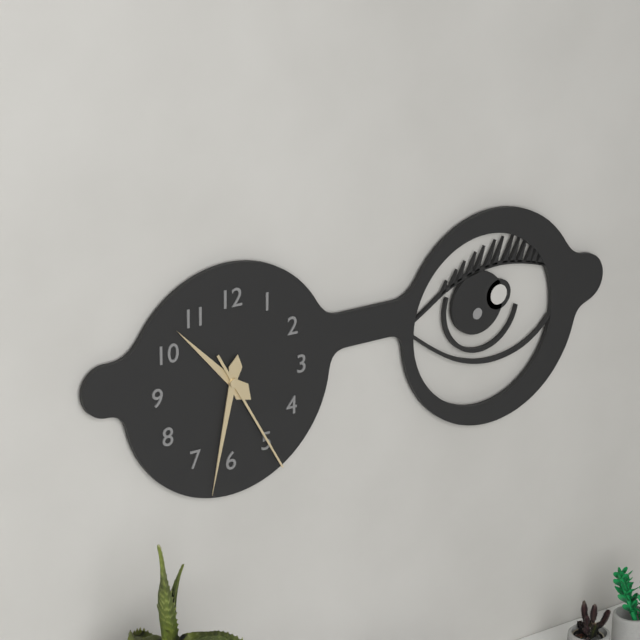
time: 10:32:25
